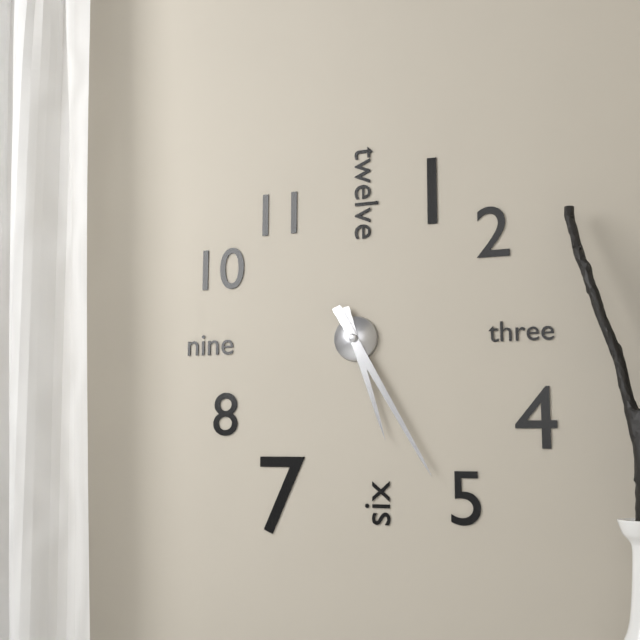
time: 5:25
